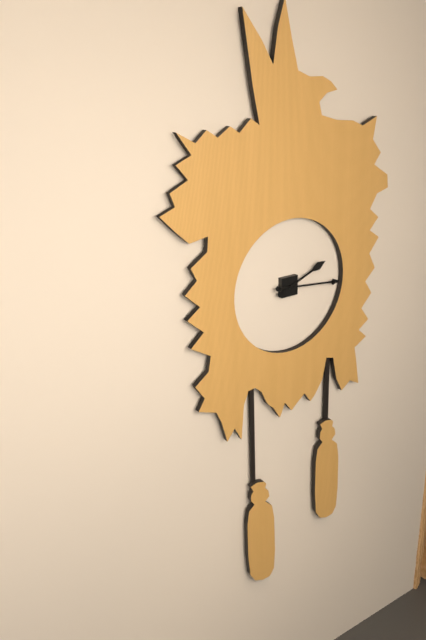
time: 2:16
